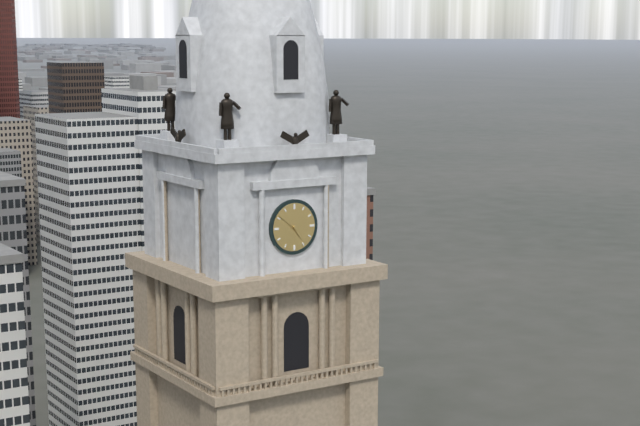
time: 4:51
